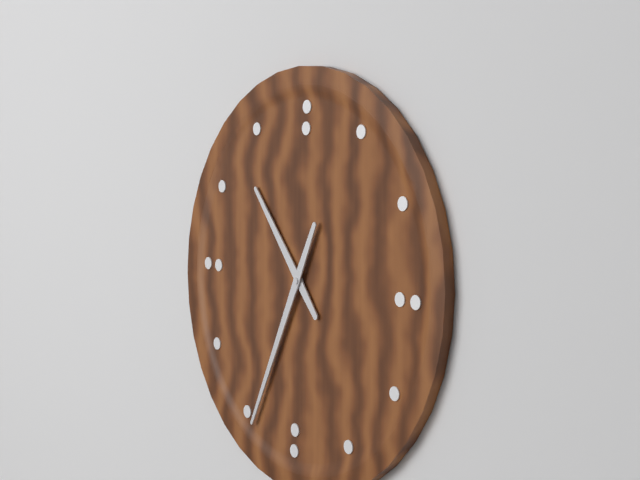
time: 10:34
